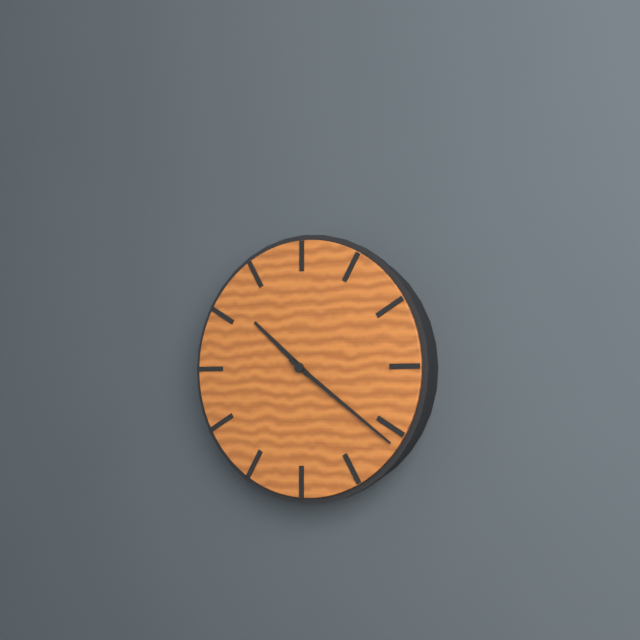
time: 10:21
